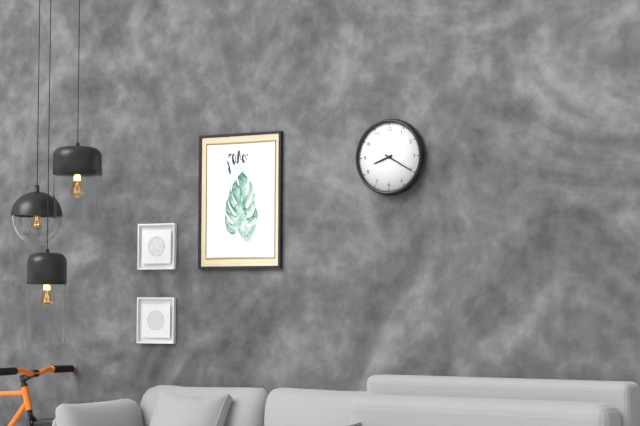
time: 8:20
